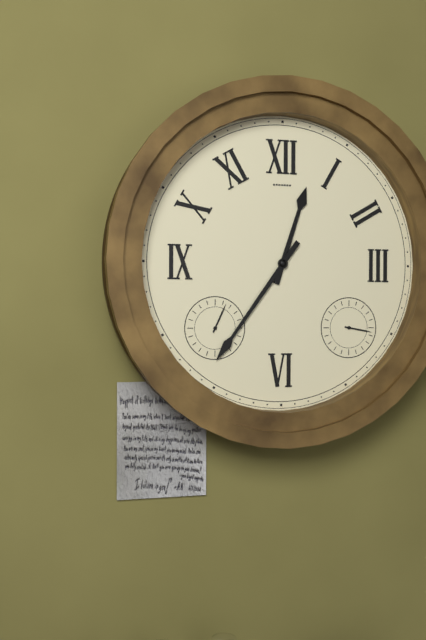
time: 12:36
